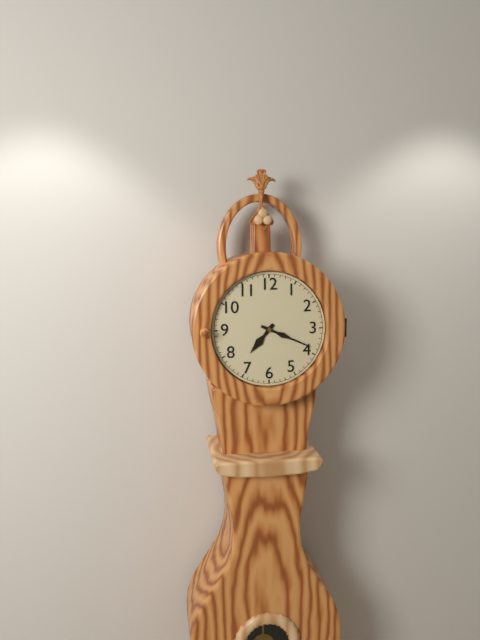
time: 7:19
